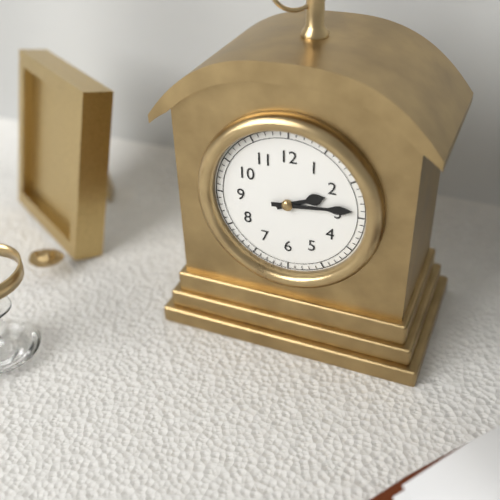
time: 2:14
